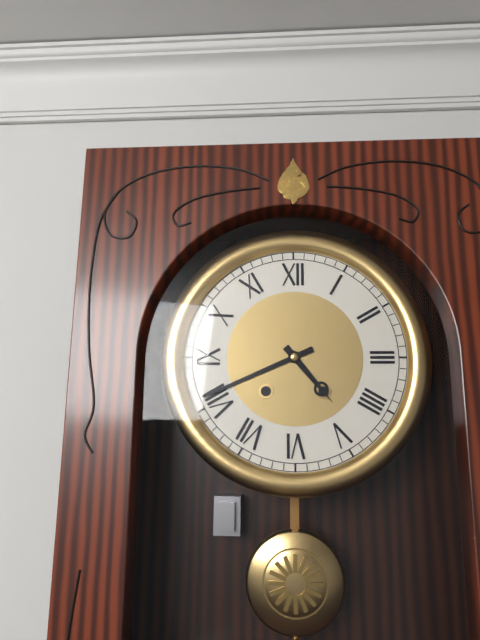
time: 4:41
